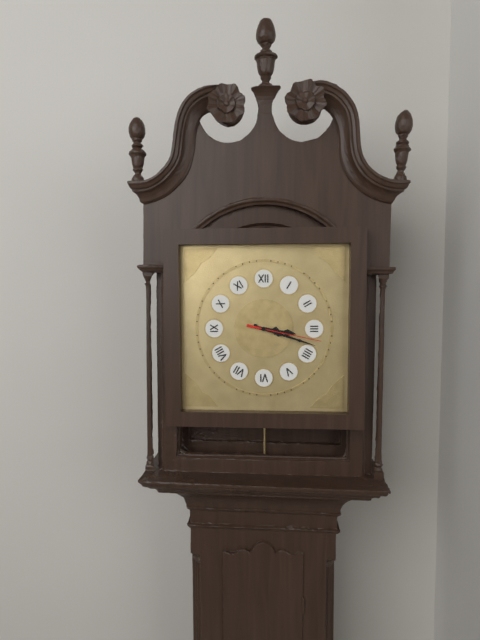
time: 3:18:17
